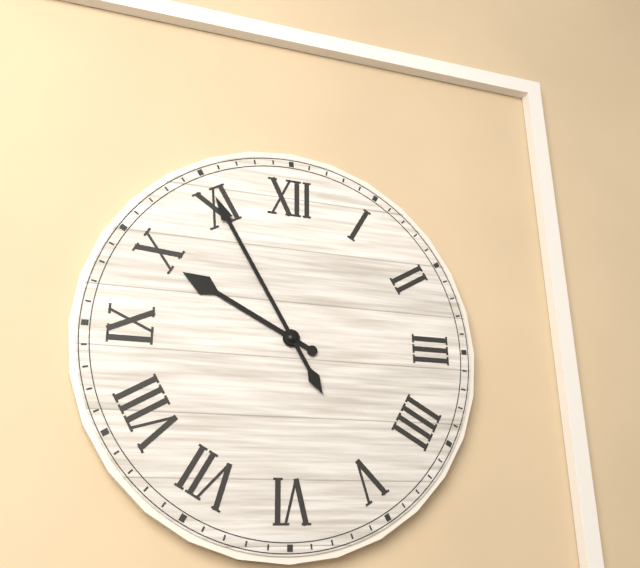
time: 9:55
